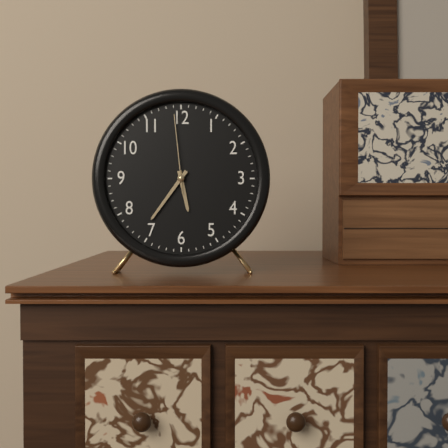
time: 5:36:59
